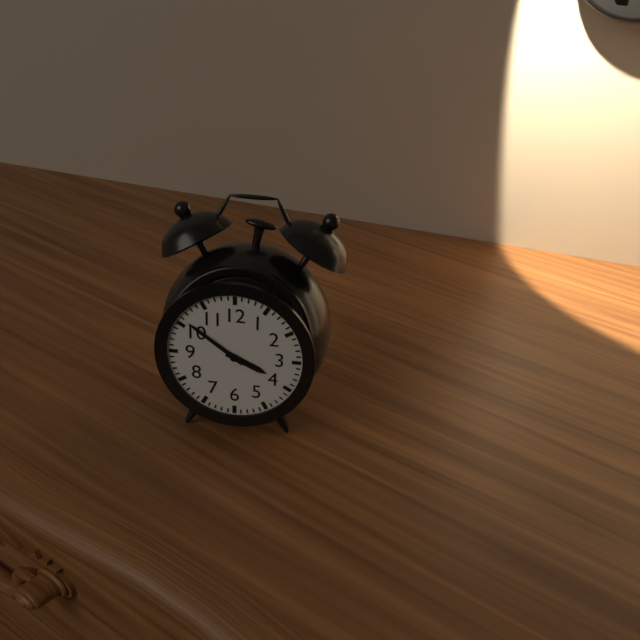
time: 3:51
